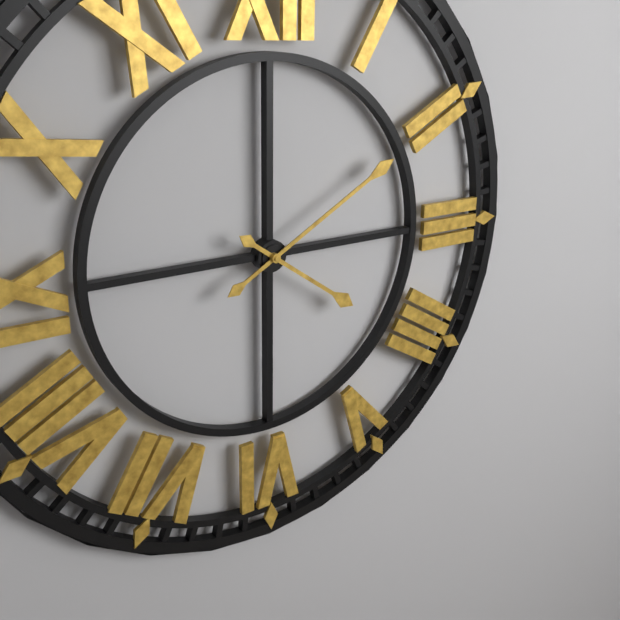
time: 4:10
